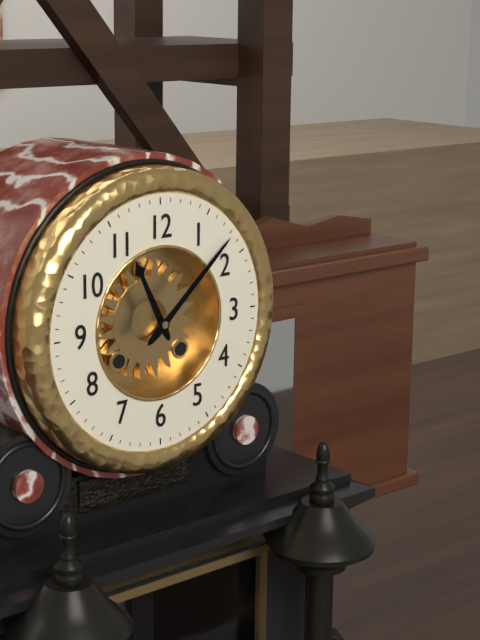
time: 11:08
